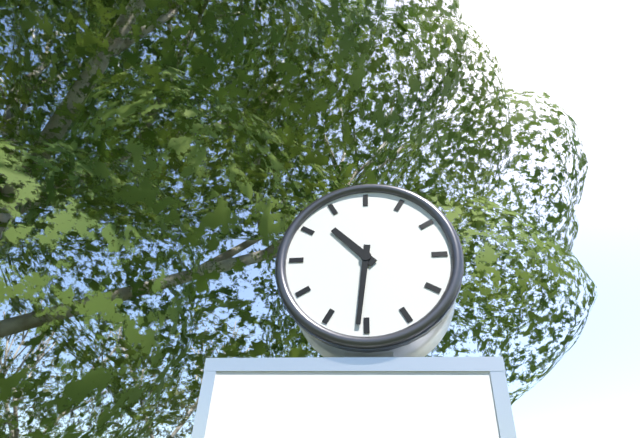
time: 10:31
